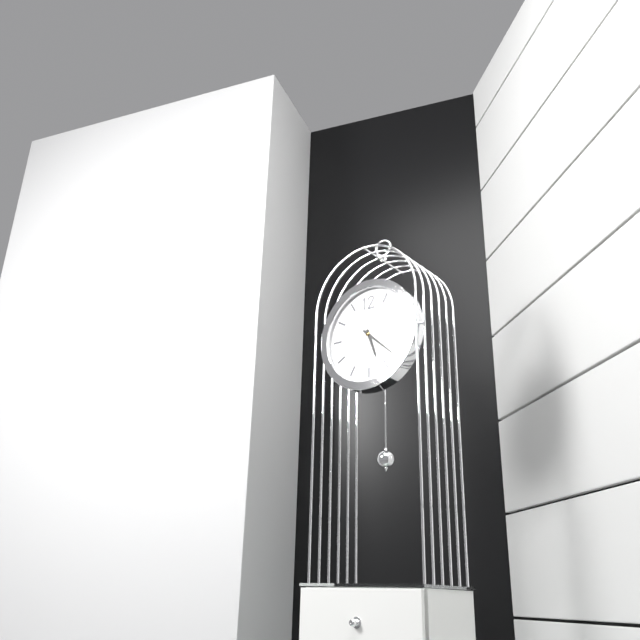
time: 5:22
